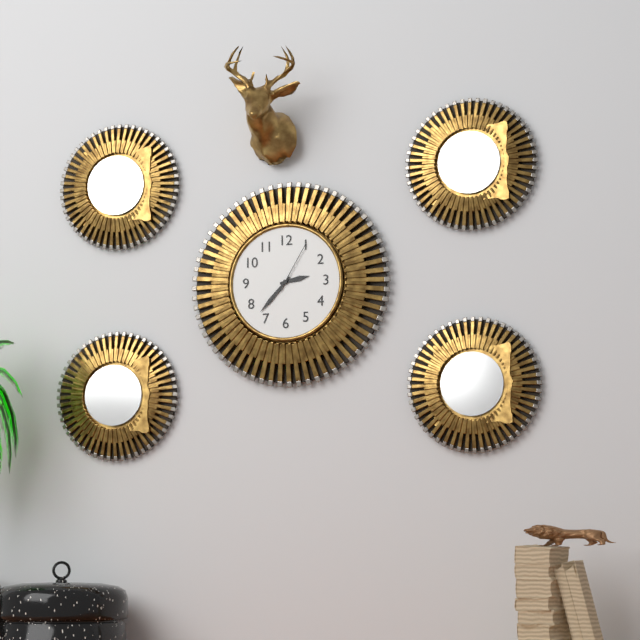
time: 2:37:05
